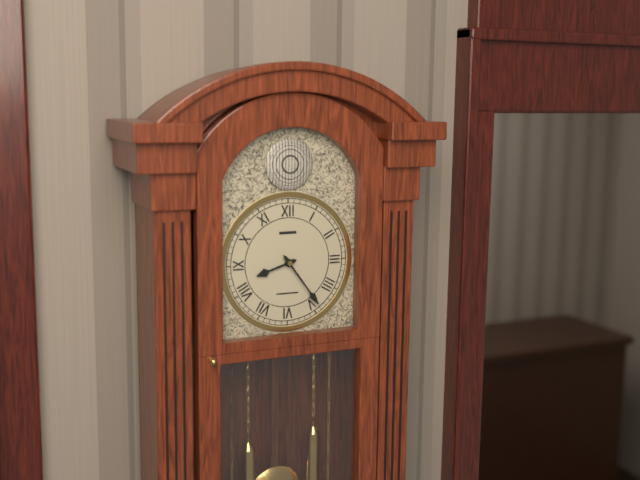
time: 8:24
